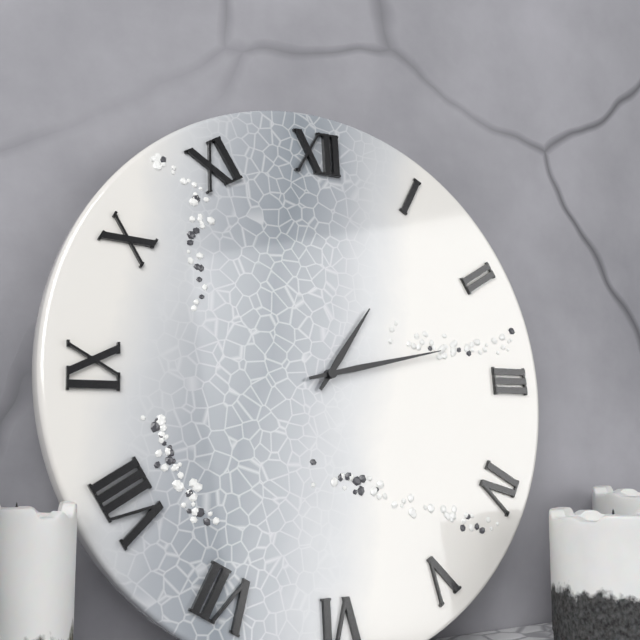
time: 1:13
